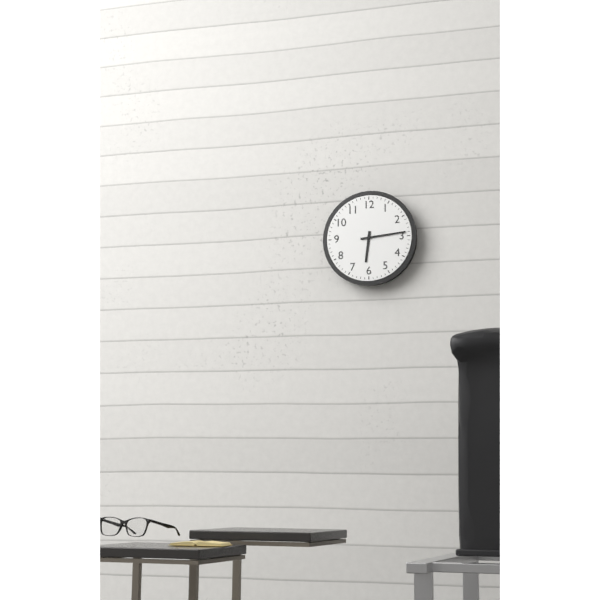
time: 6:14
